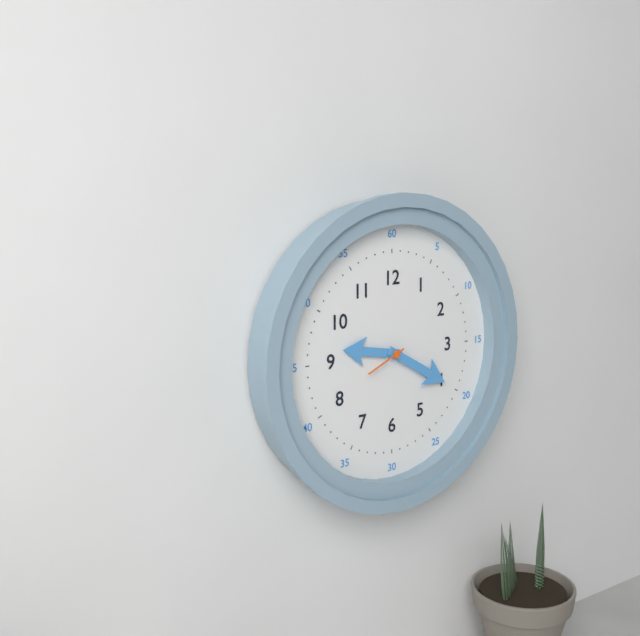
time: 9:20
